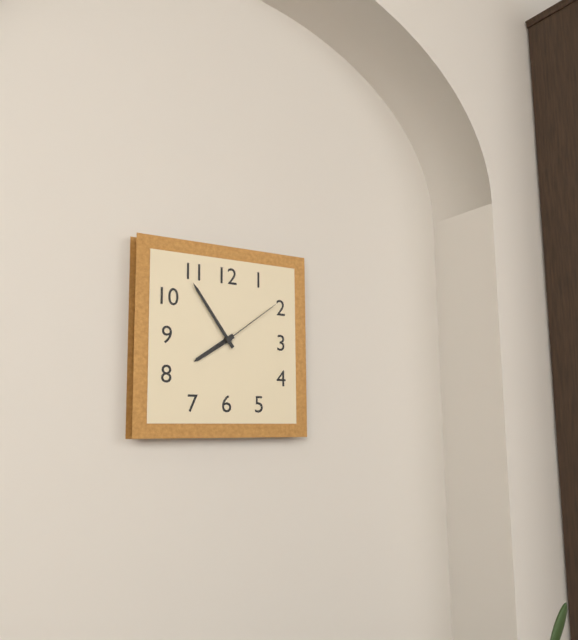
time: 7:54:09
